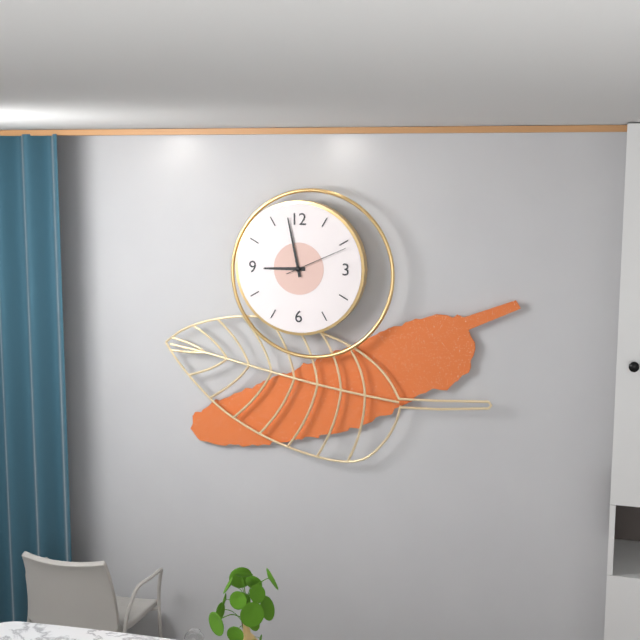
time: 8:58:11
